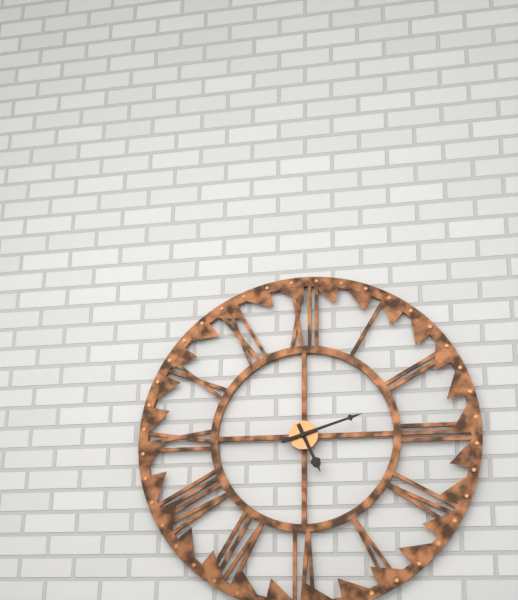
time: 5:12
